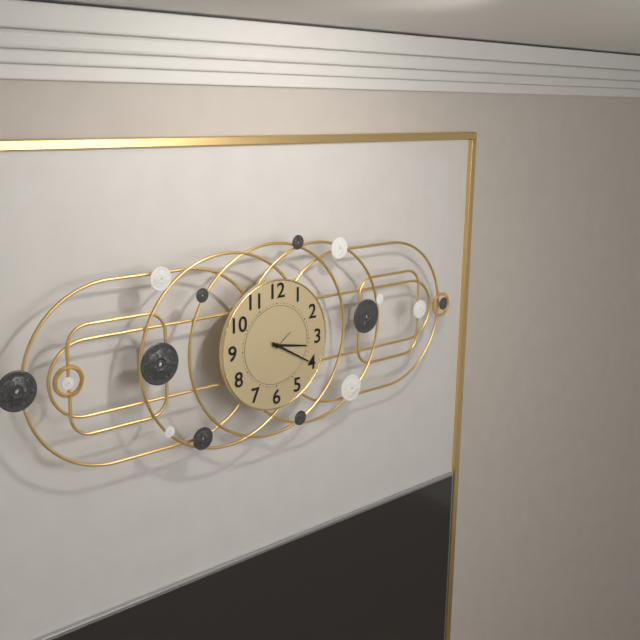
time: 3:20
